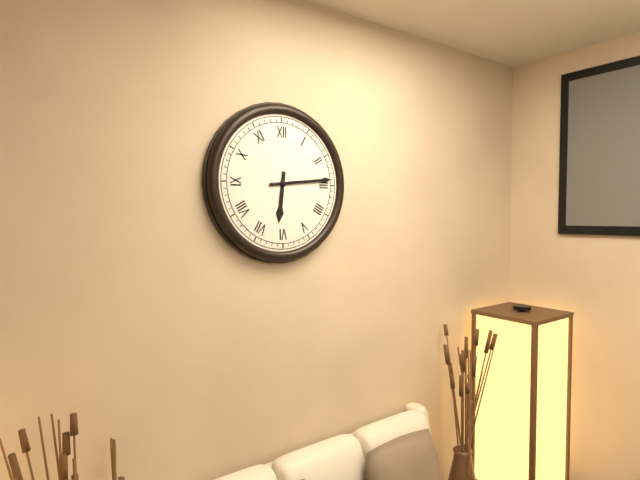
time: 6:14
